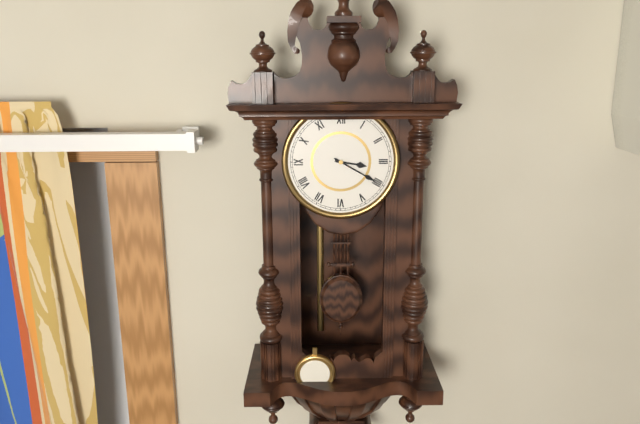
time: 3:20
